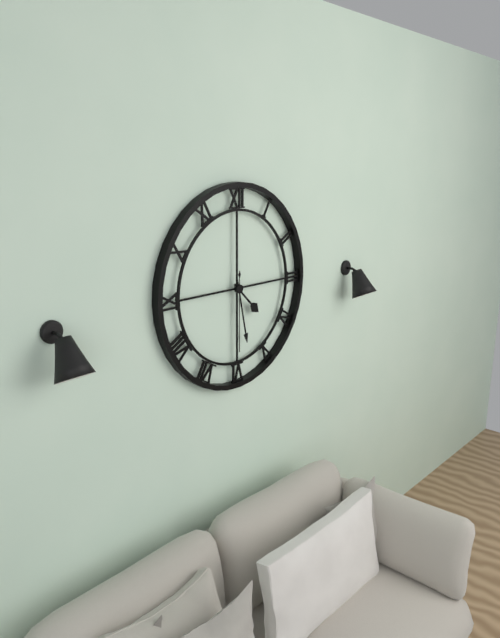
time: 4:28:30
